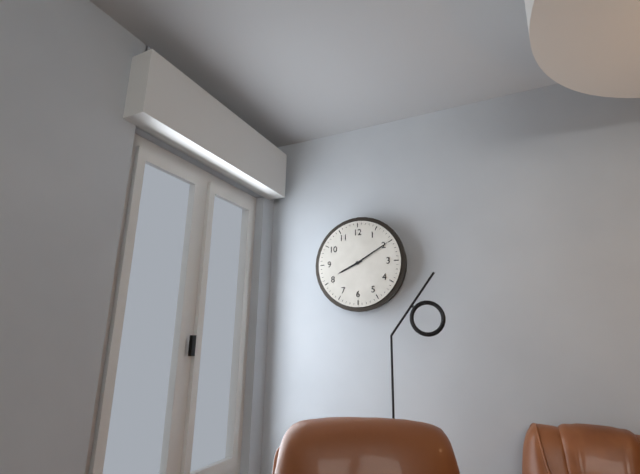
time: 8:10
